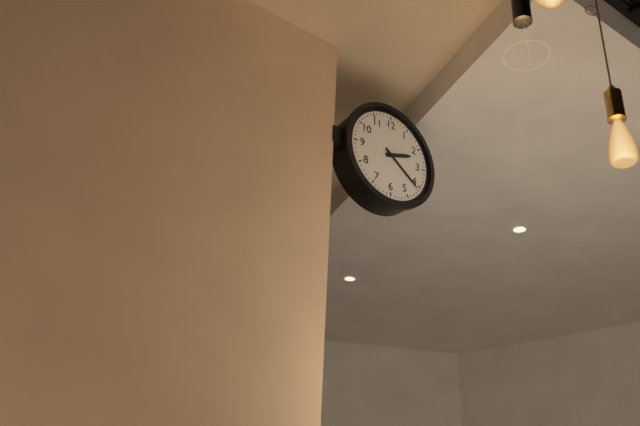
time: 2:21
